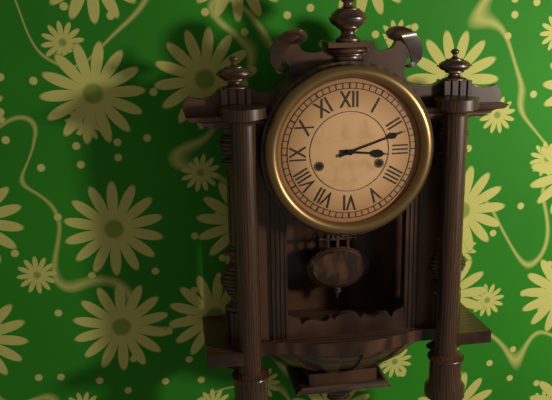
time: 3:12
